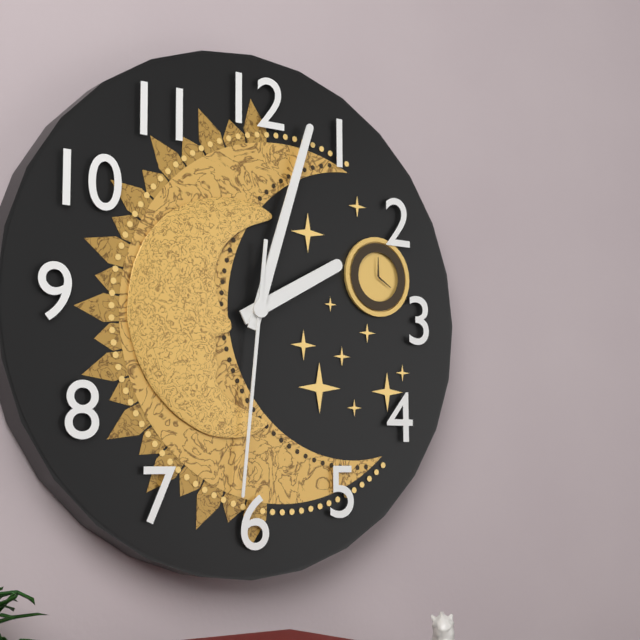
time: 2:03:31
